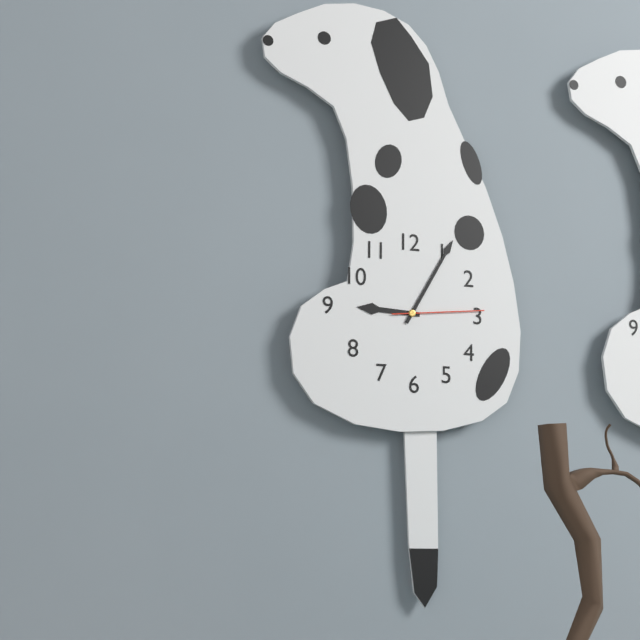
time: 9:05:14
